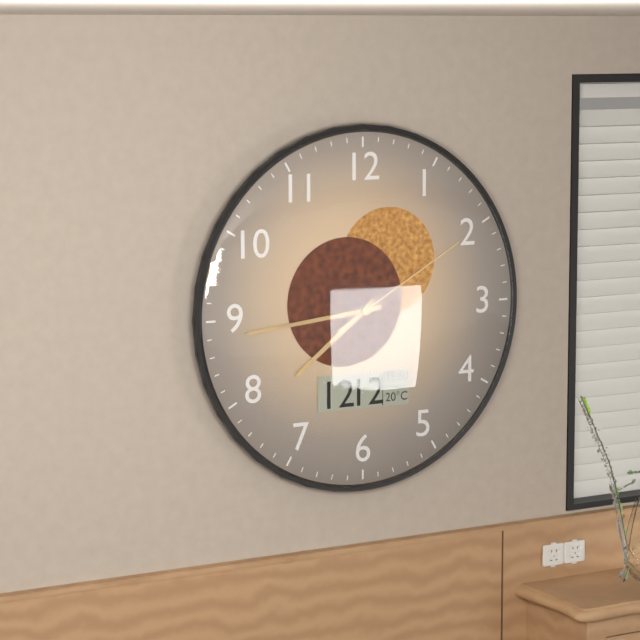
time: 7:44:10
